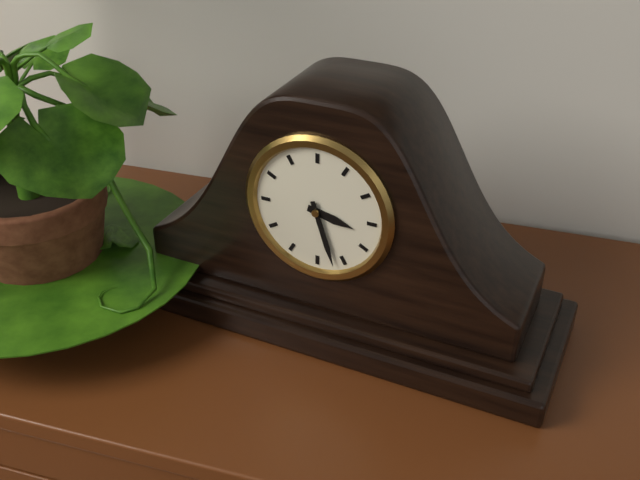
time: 3:27
